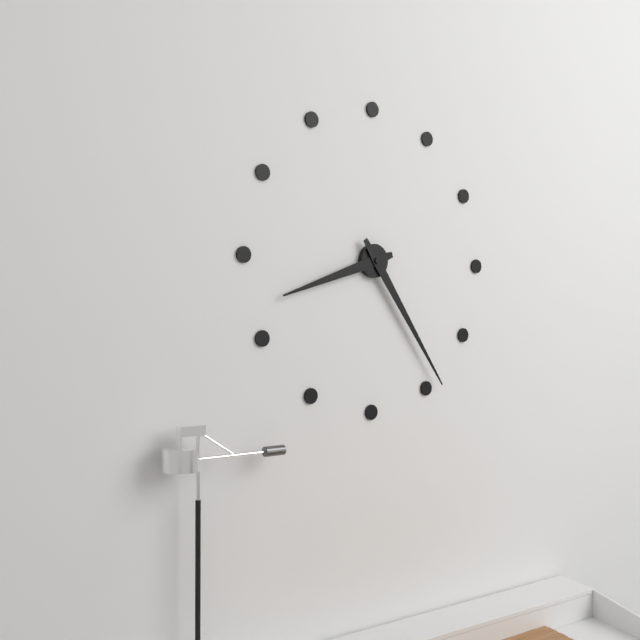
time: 8:24
